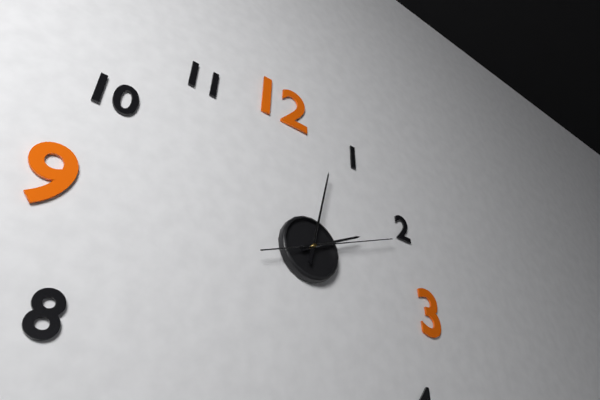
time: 2:02:11
